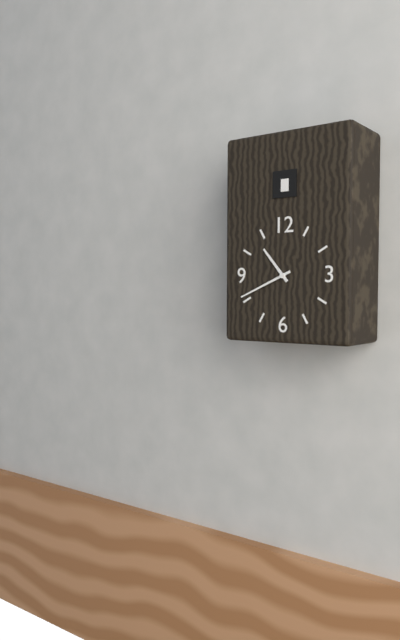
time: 10:41
